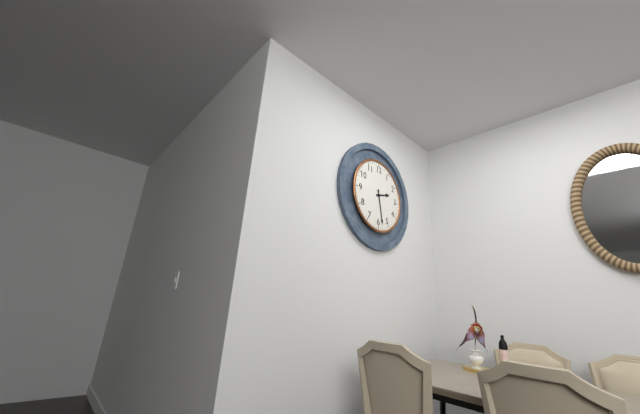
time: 2:28
